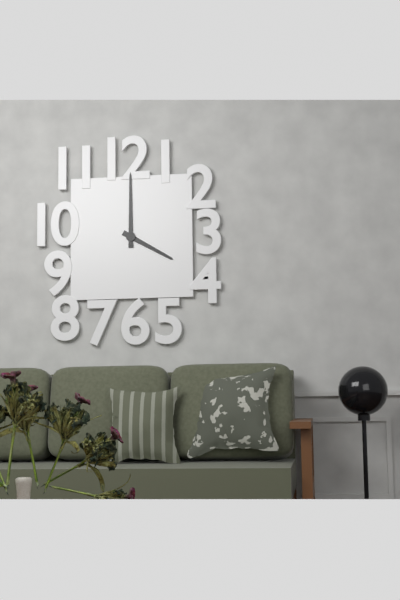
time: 4:00
